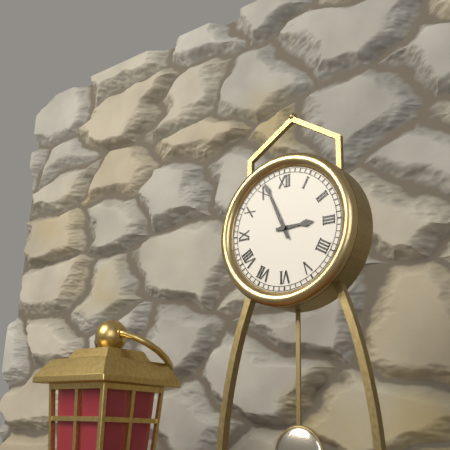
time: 2:56
